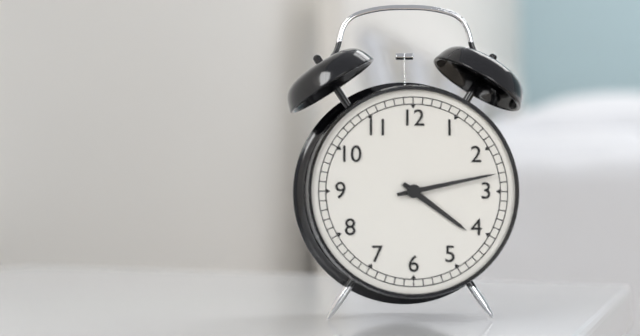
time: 4:13
